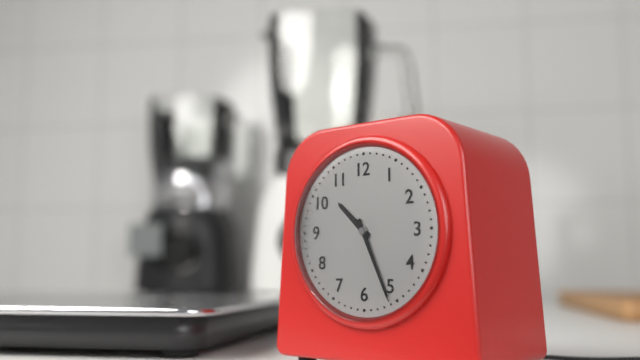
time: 10:26
